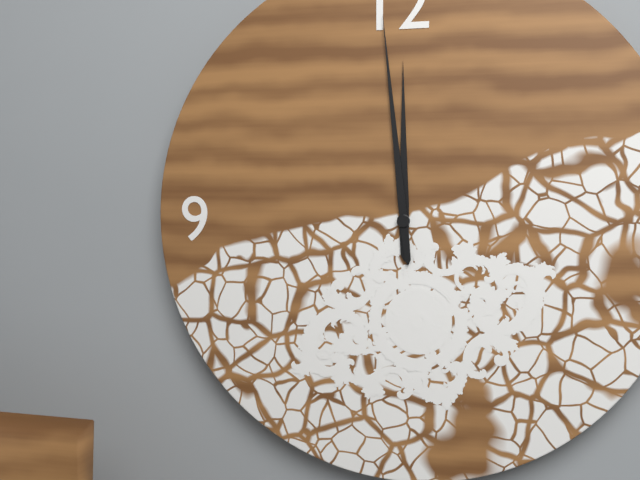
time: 11:59
